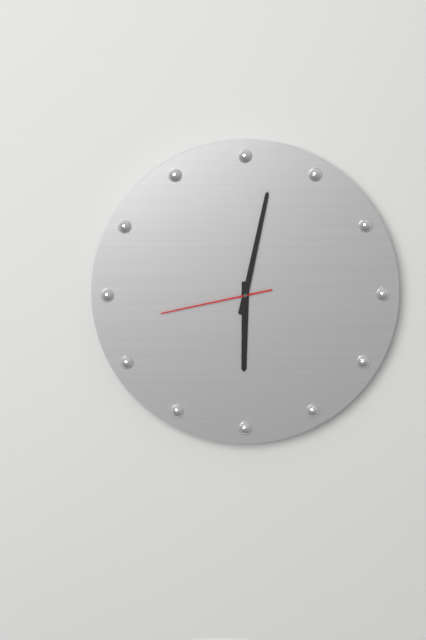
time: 6:02:43
